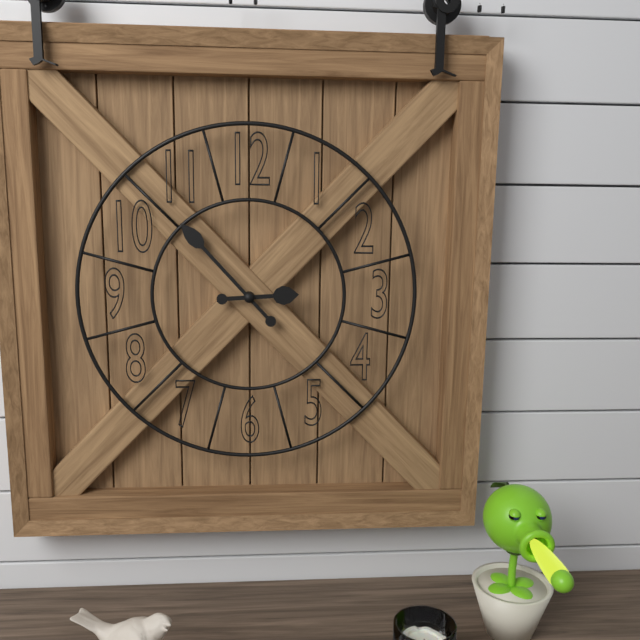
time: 2:53
